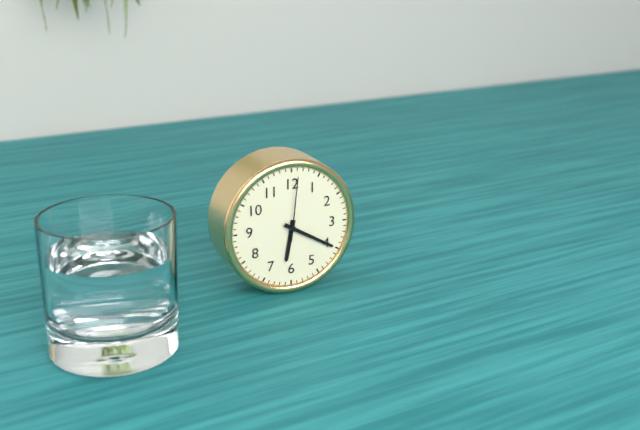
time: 6:20:01
